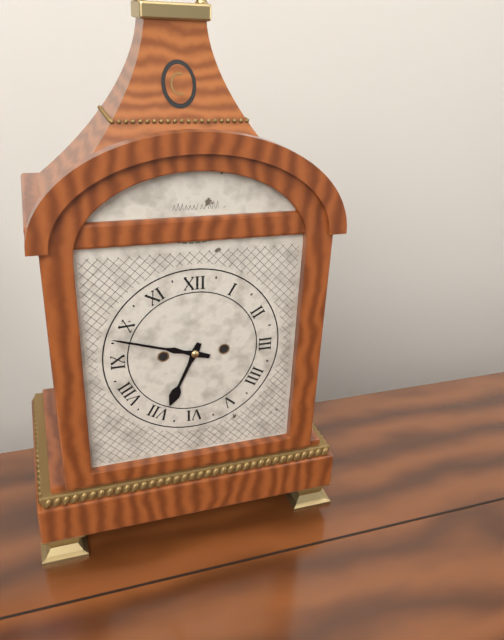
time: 6:48
